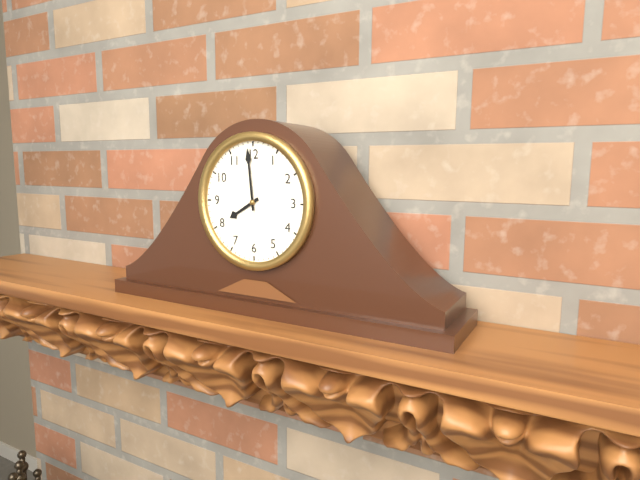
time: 7:59
